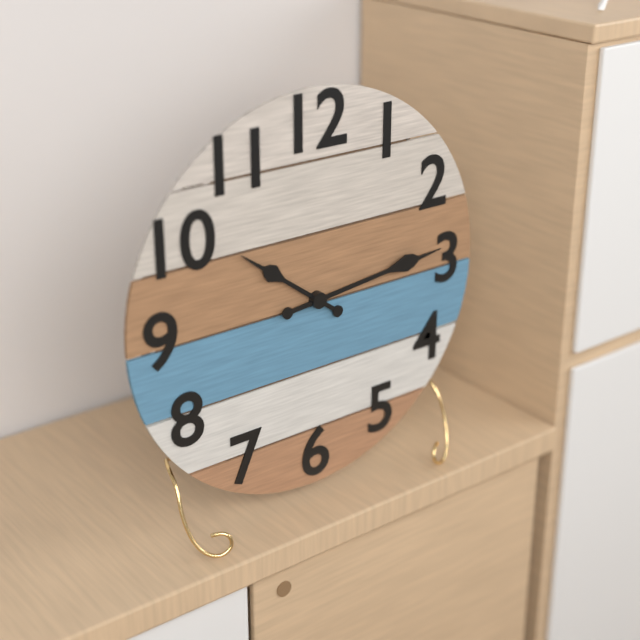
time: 10:14
